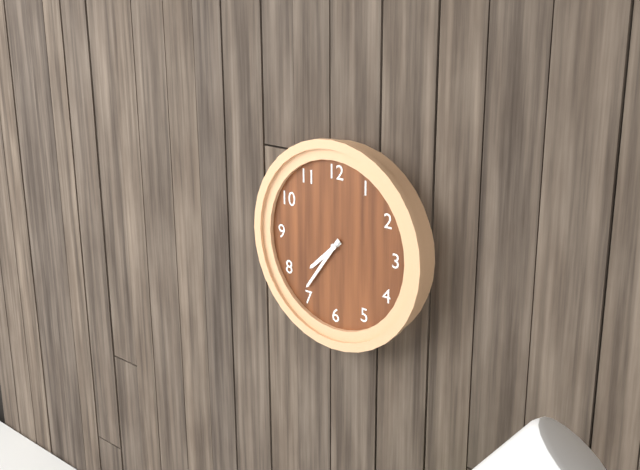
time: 7:36
